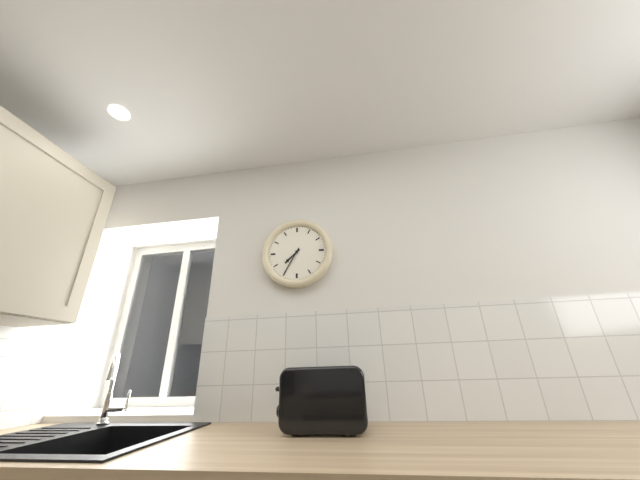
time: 7:35
